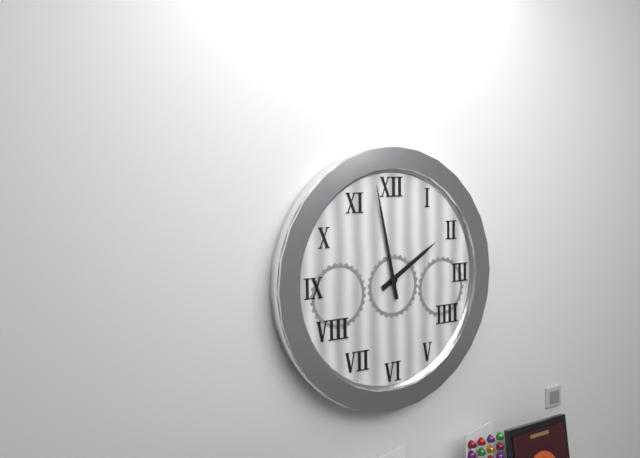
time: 1:58
